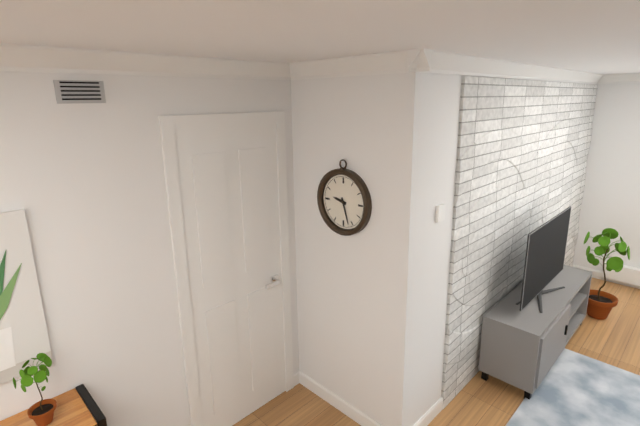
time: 9:27
